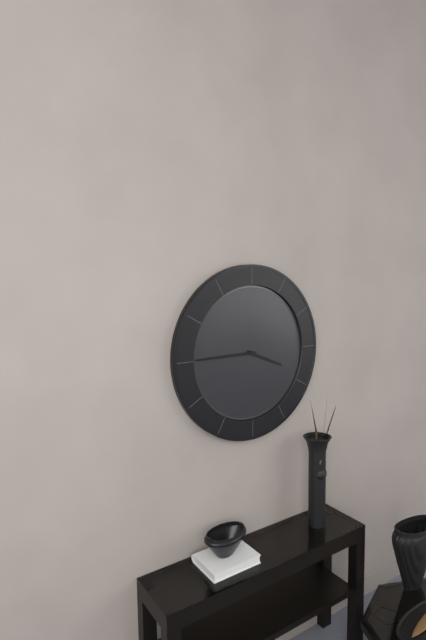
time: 3:45
